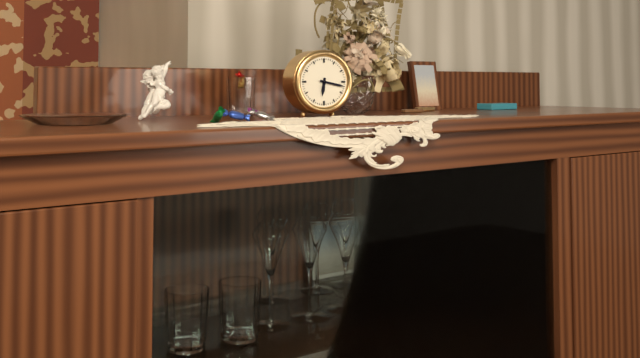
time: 6:17
